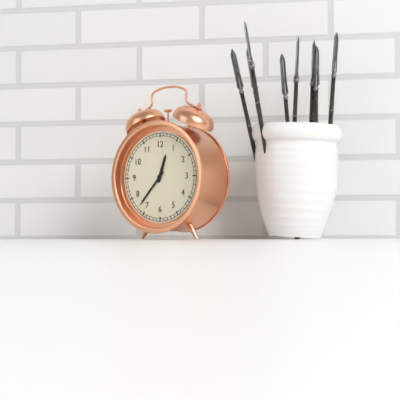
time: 12:37
